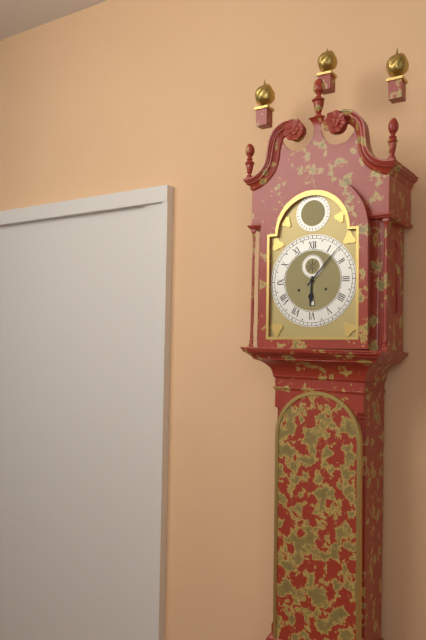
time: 6:07
